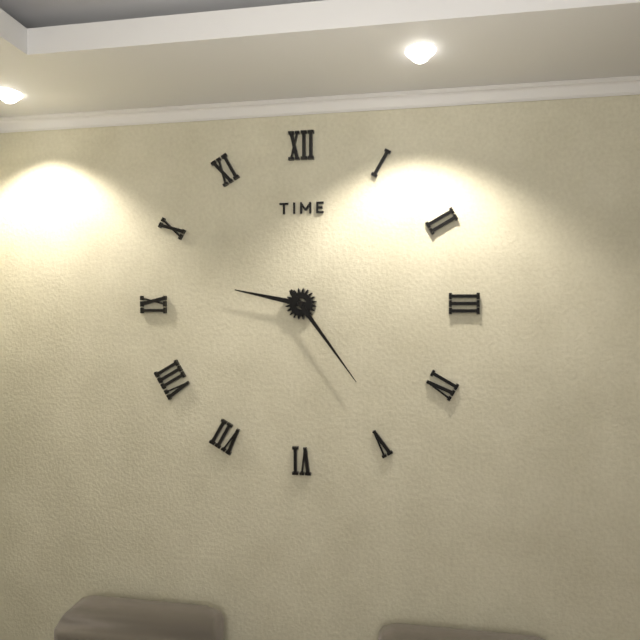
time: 9:24
